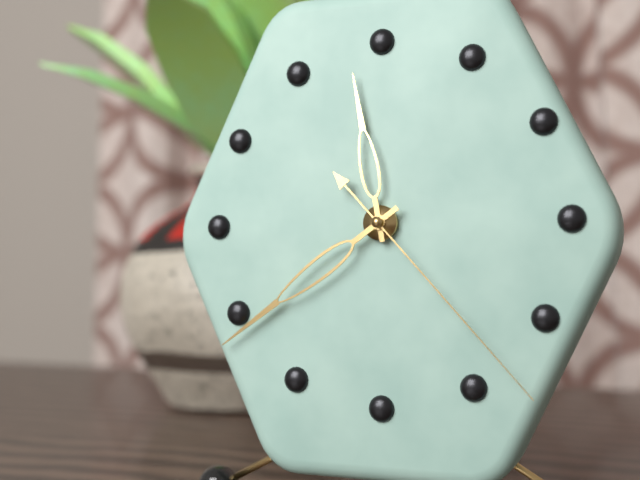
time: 11:39:23
